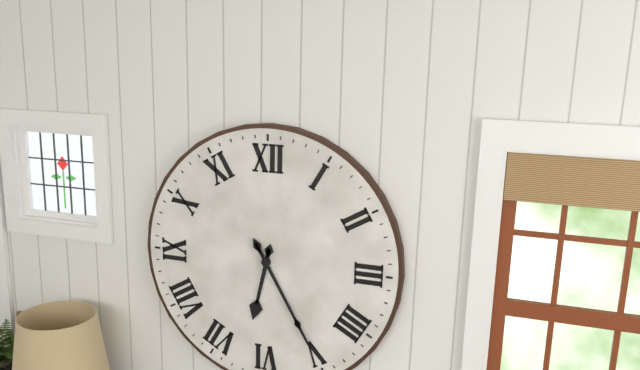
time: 6:25
